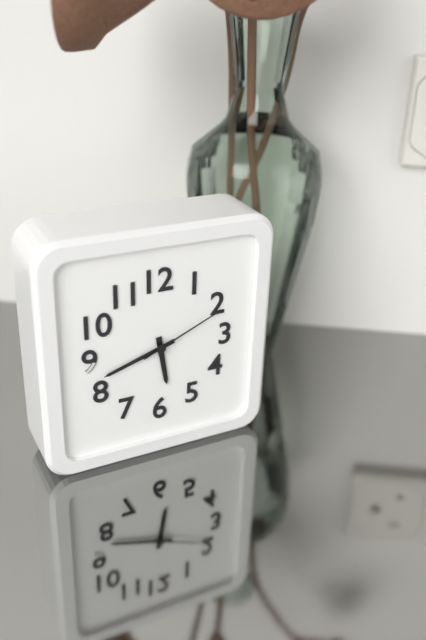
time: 5:42:11
